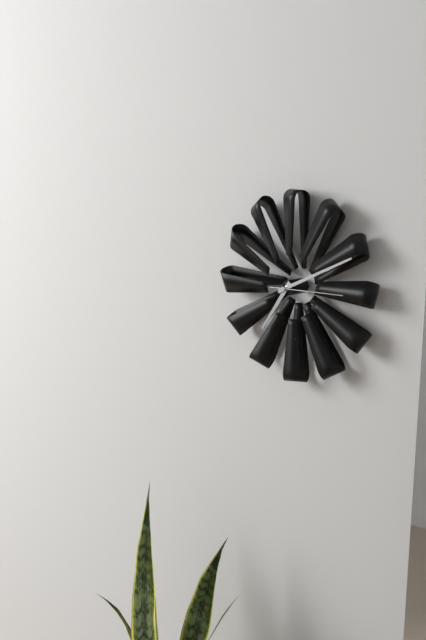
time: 7:11:15
